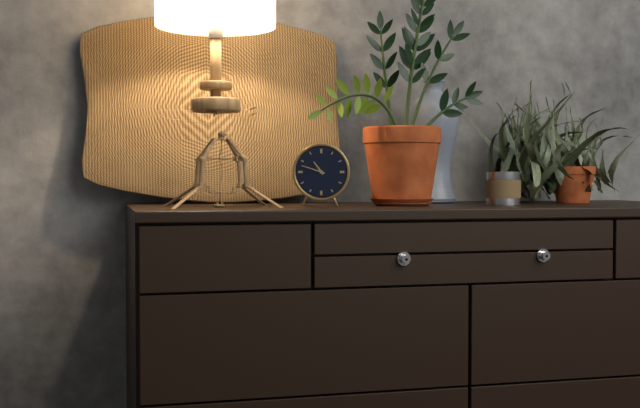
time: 10:48
